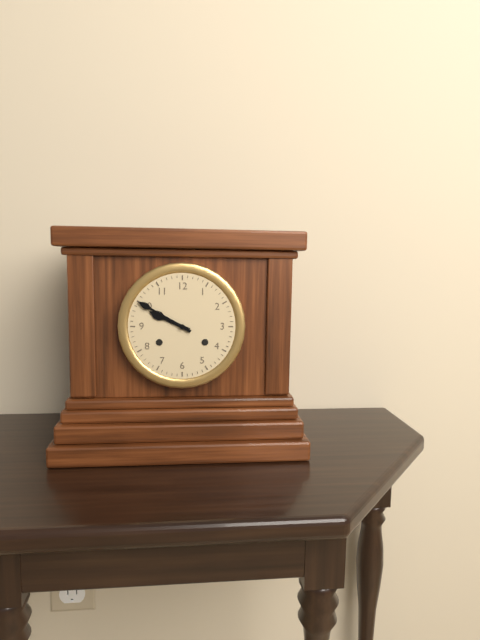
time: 9:50
